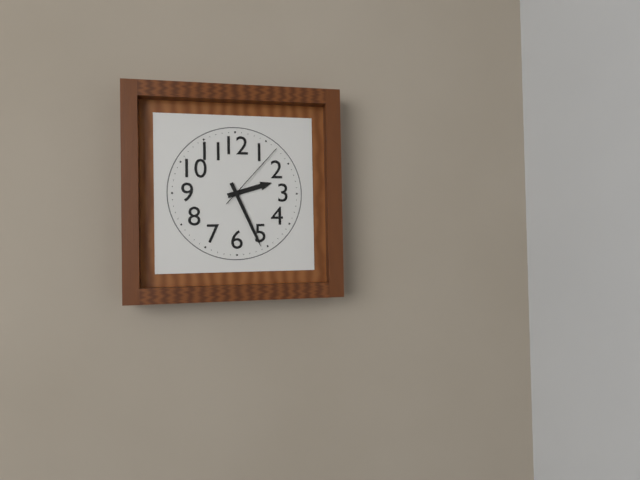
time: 2:26:07
